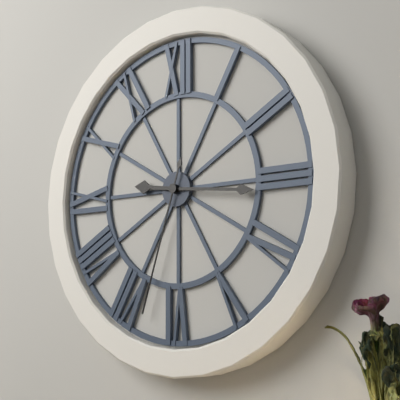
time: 9:16:33
